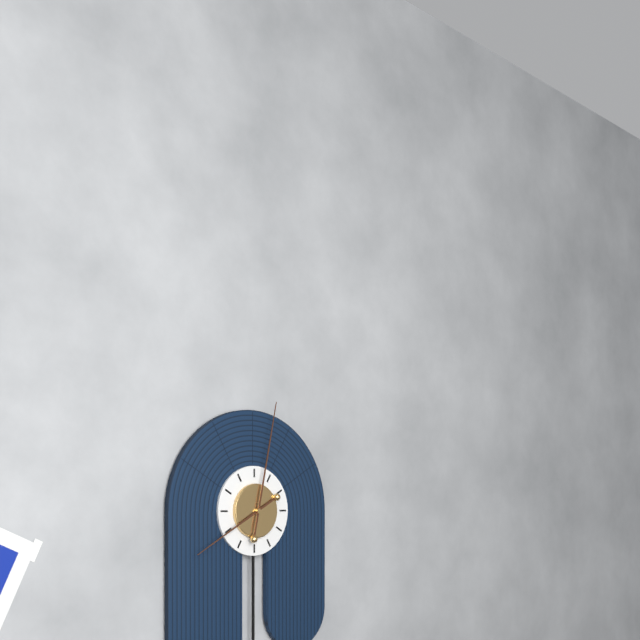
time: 8:02
